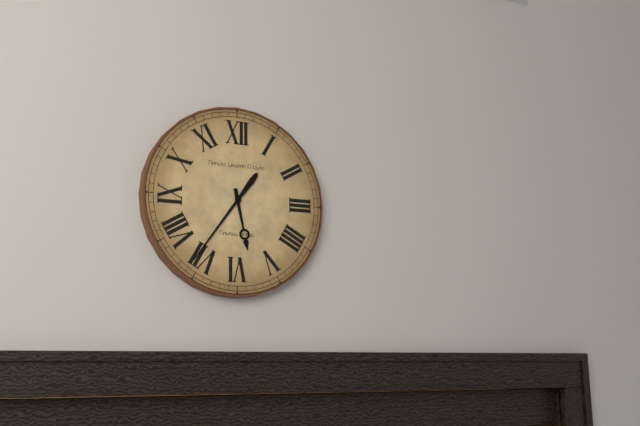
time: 5:36
